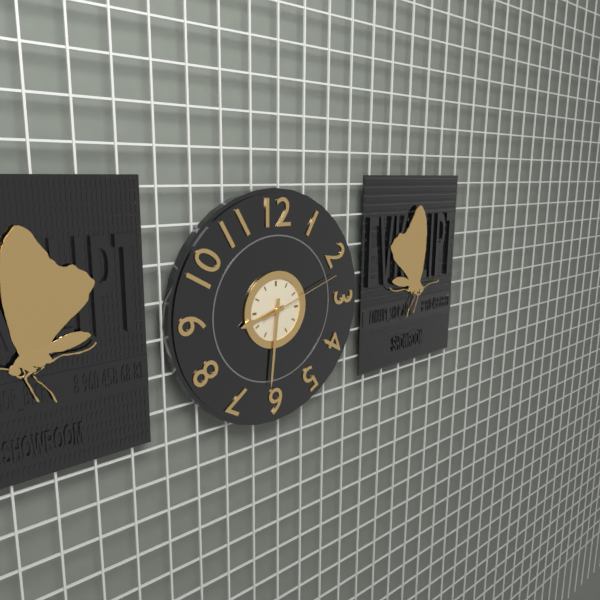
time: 8:31:12
